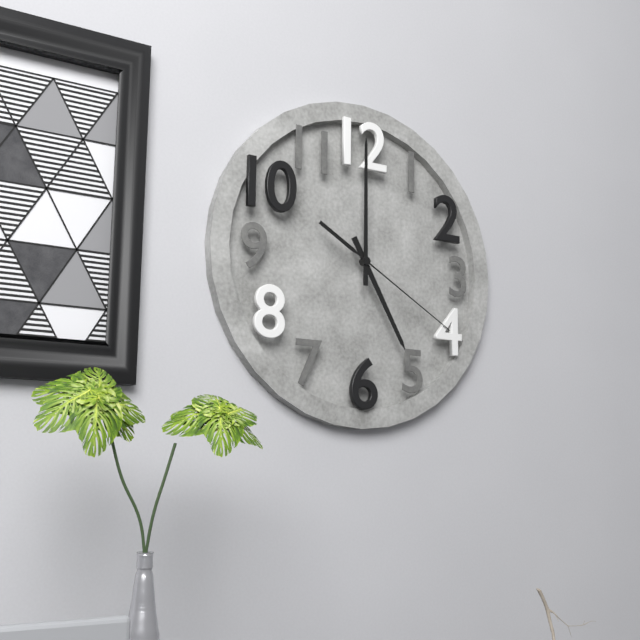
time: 5:00:20
